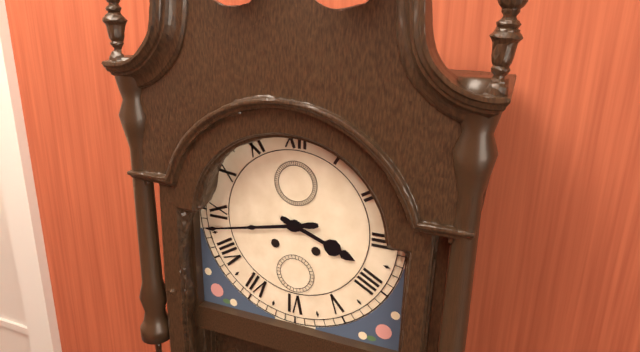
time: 3:43
